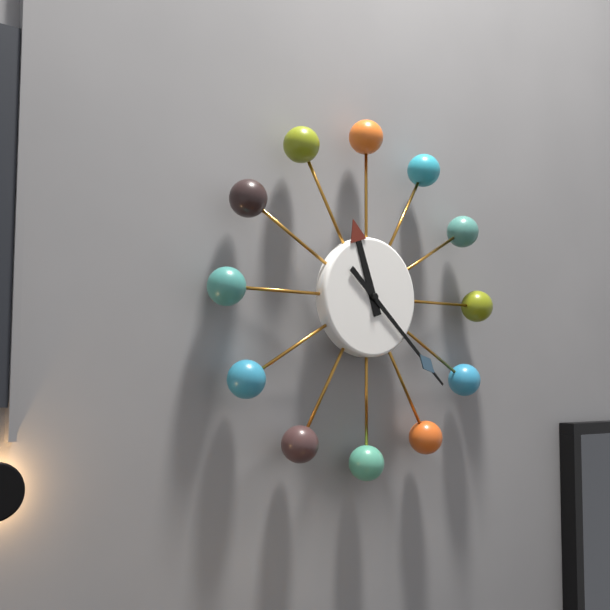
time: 11:22
